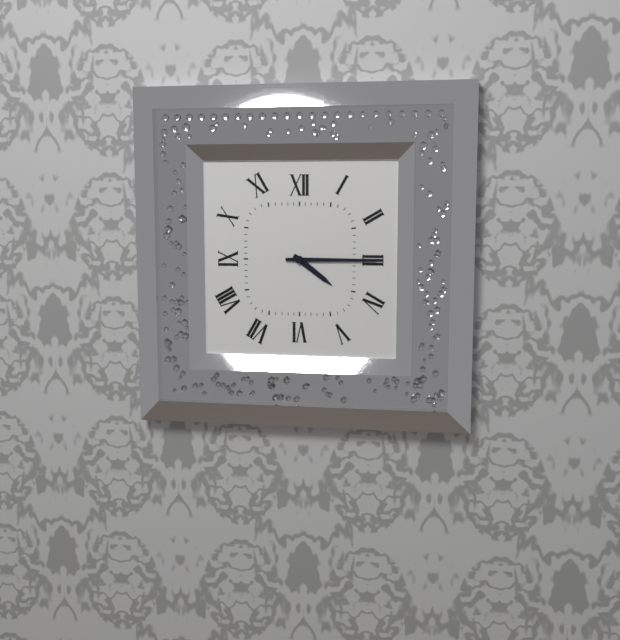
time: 4:15
